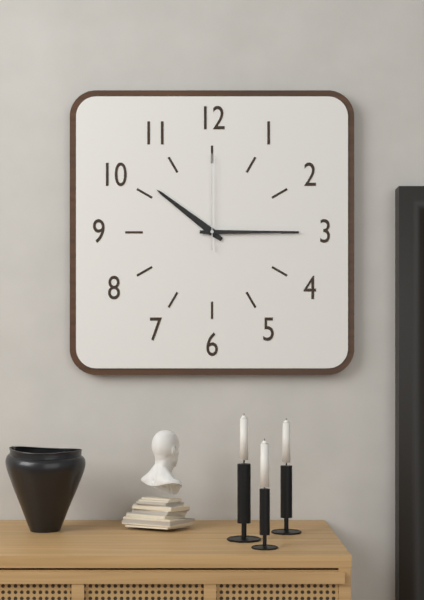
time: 10:15:00
